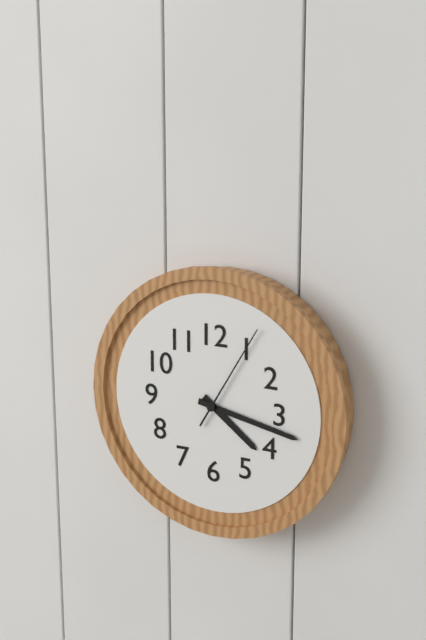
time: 4:17:05
